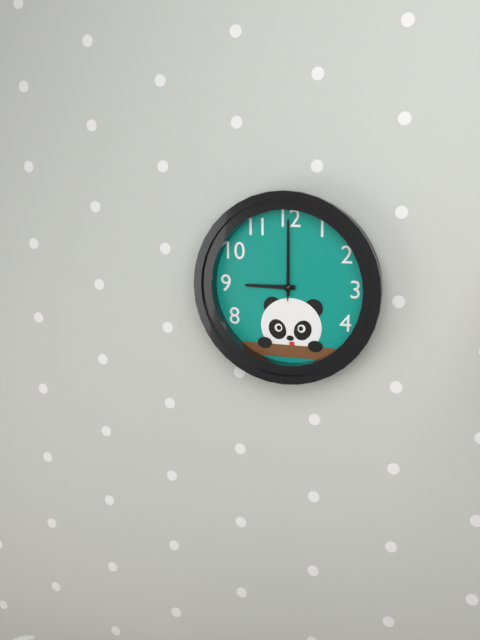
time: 9:00:00
